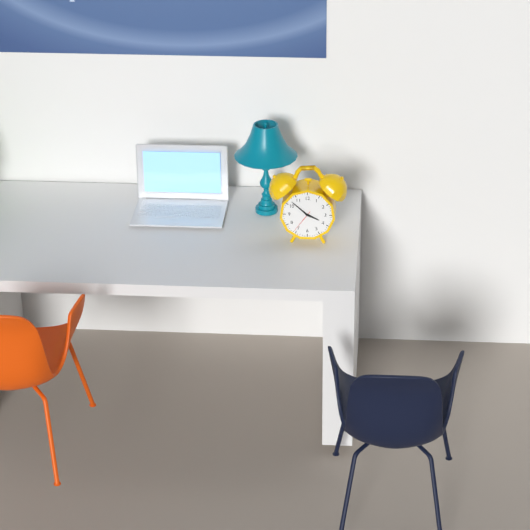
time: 3:52
